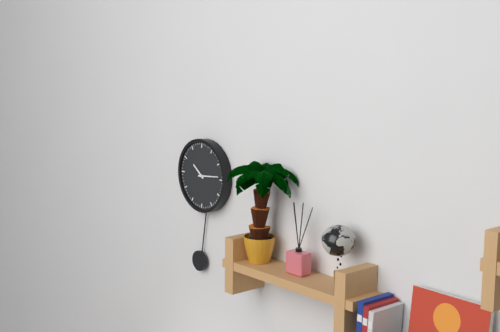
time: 10:14
